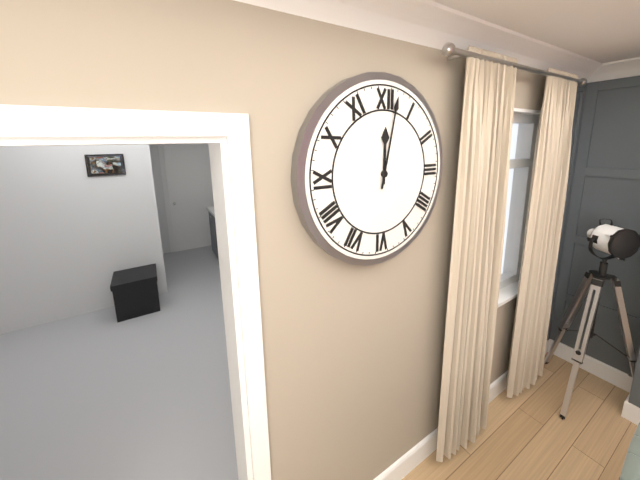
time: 12:02
